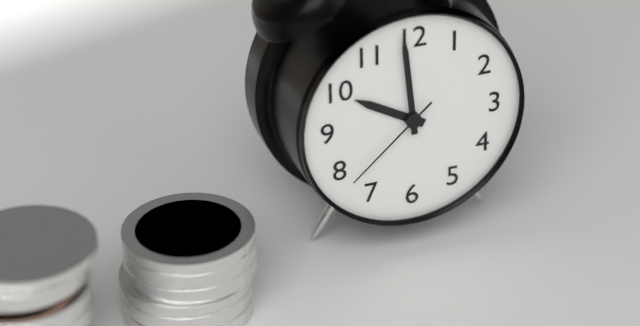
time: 9:59:38
